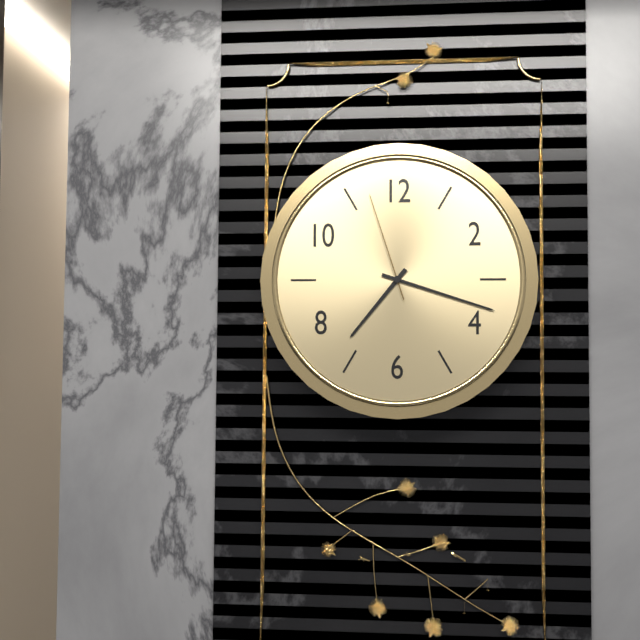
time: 7:18:57
